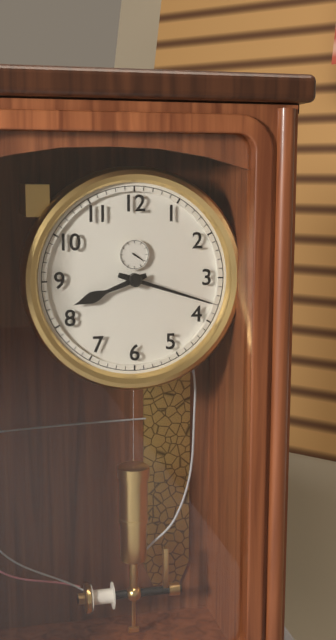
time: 8:18
